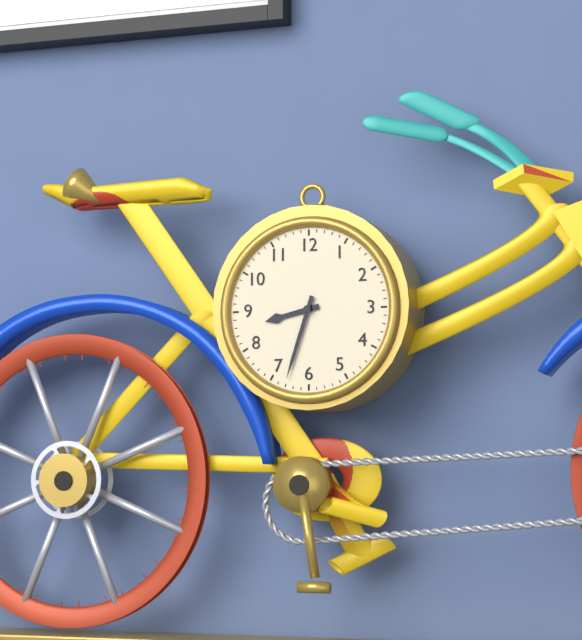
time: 8:33
